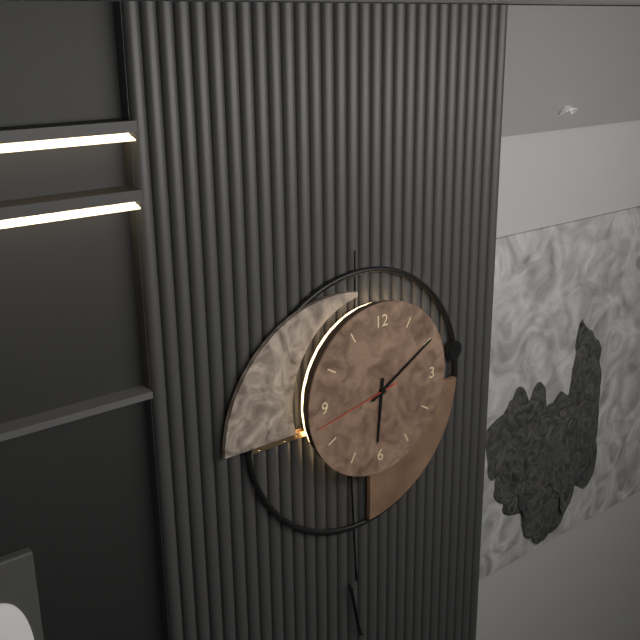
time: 6:10:43
